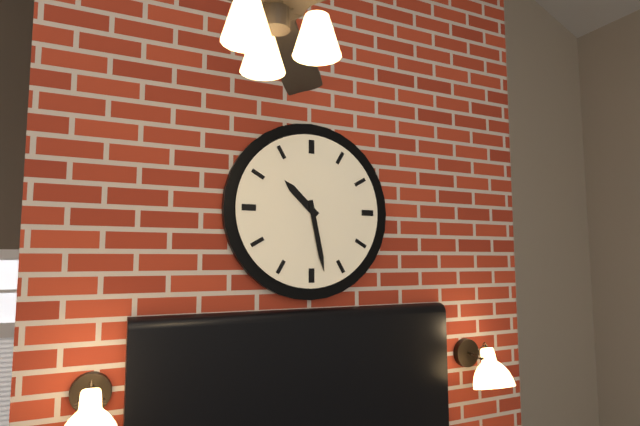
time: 10:28
